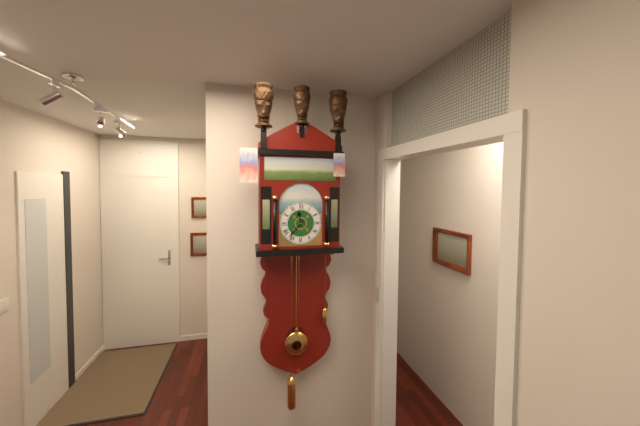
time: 11:37
